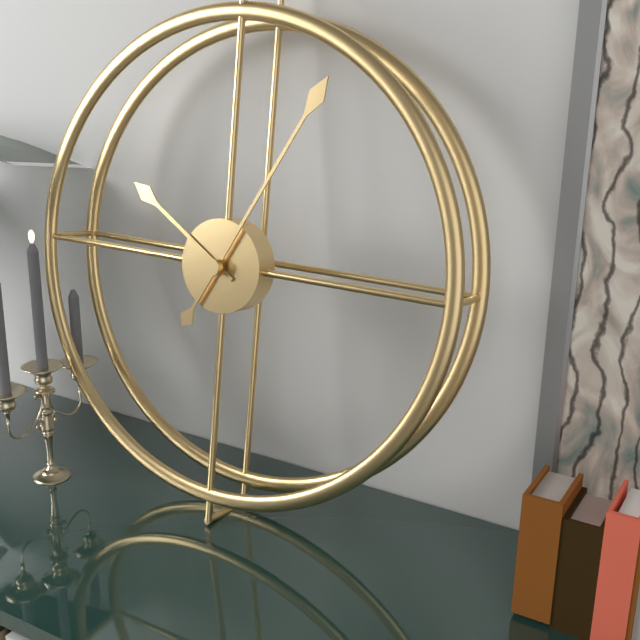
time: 10:05
